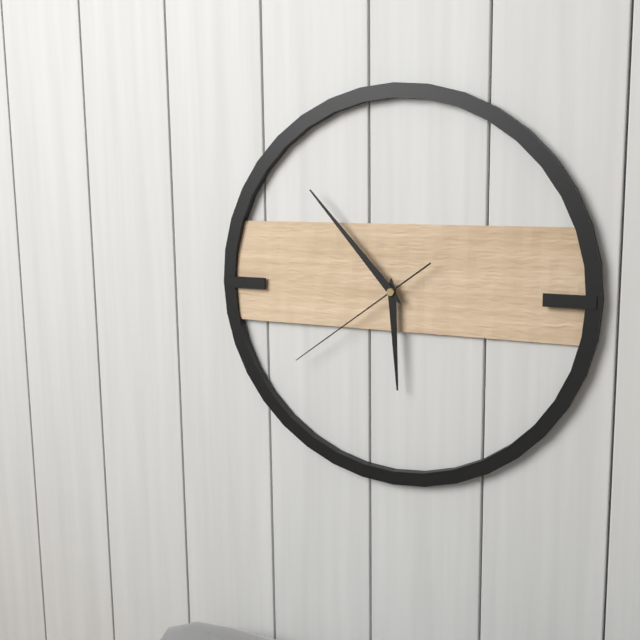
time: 5:53:39
